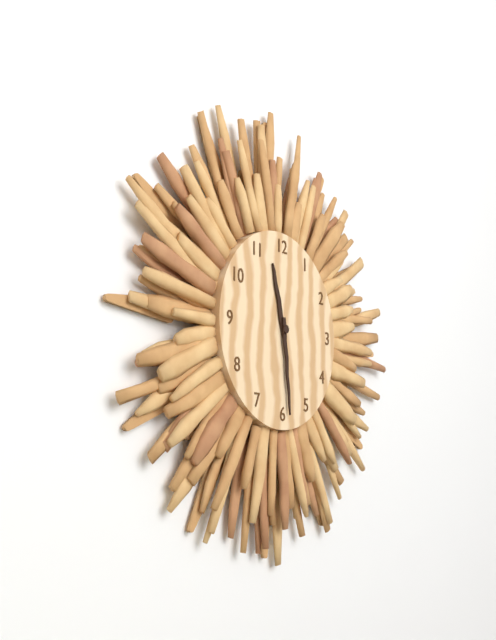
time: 11:29
